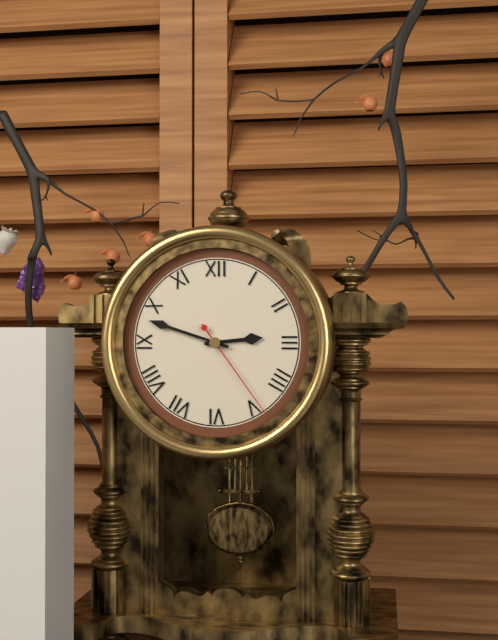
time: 2:48:24
